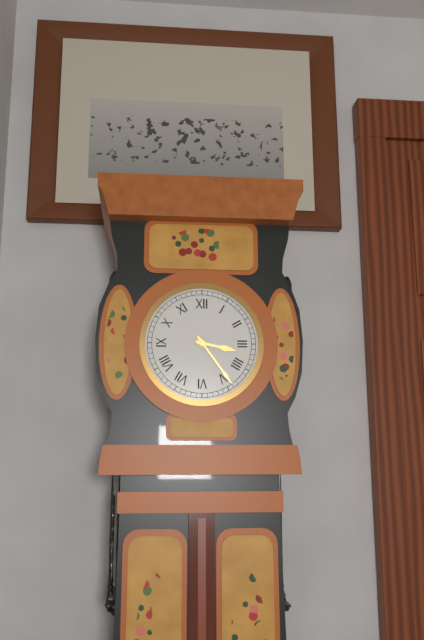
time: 3:24
